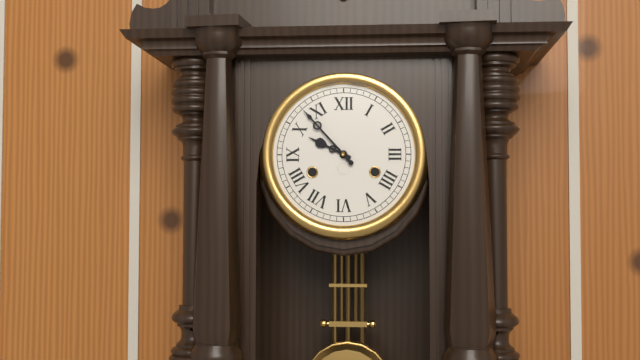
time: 9:53
